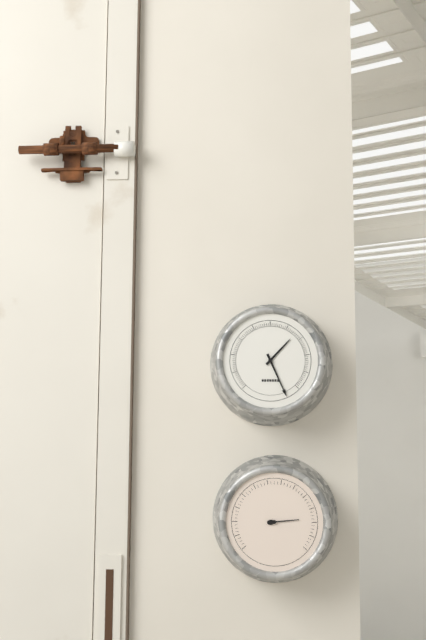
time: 1:26
